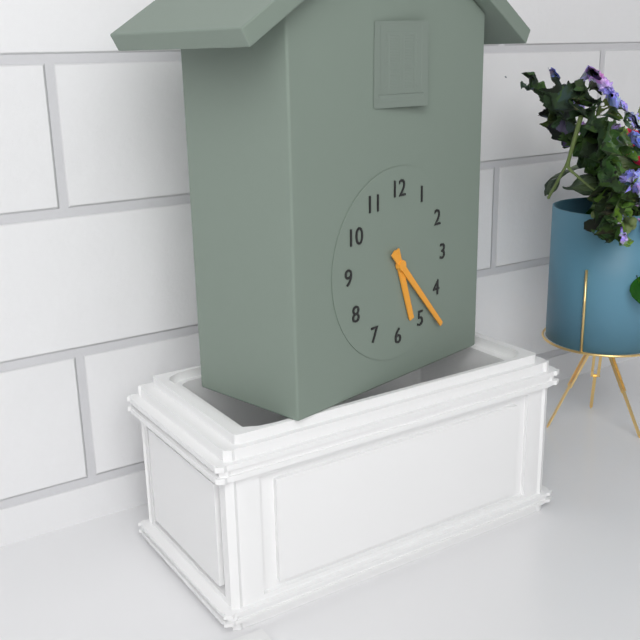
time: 5:23
